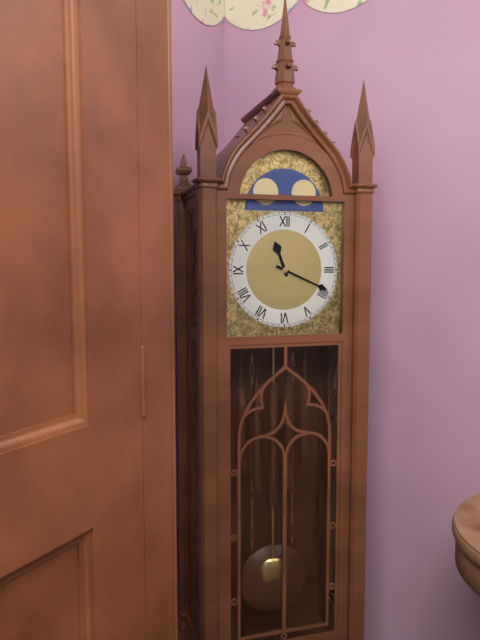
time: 11:19
